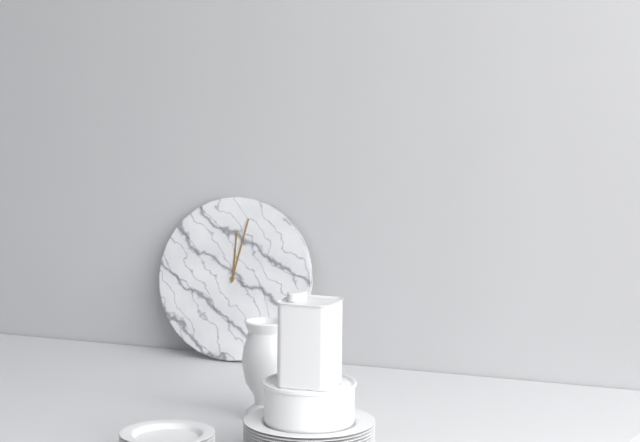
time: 12:02
